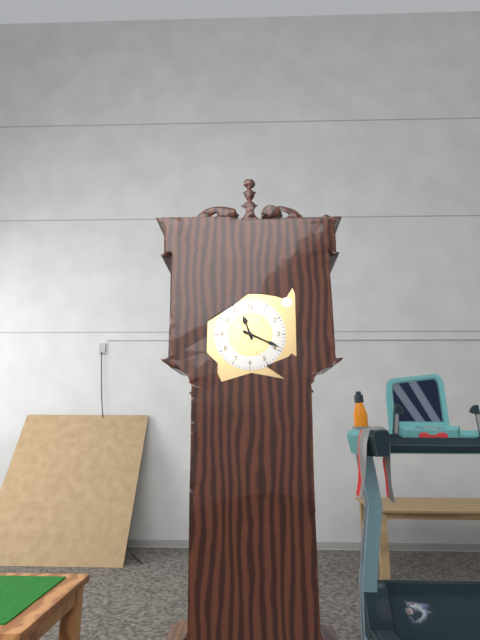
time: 11:19
